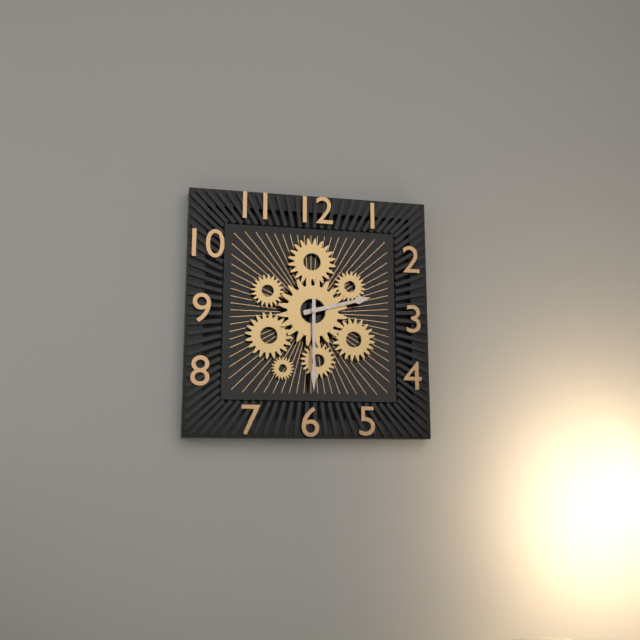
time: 2:30
